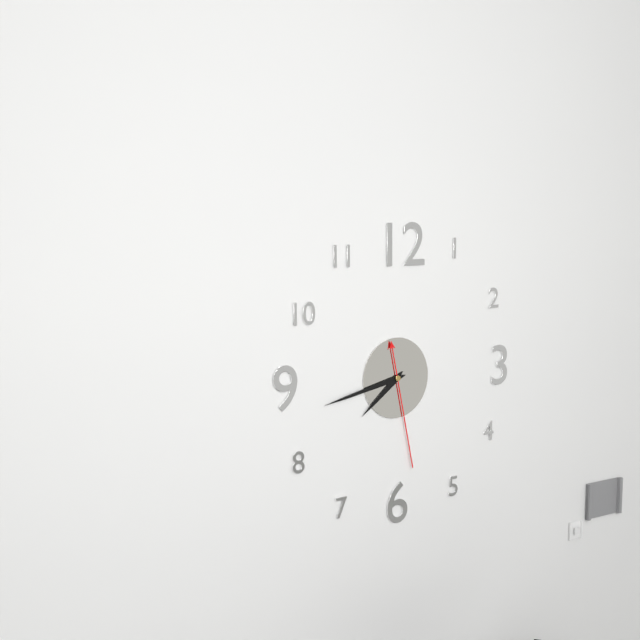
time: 7:43:28
